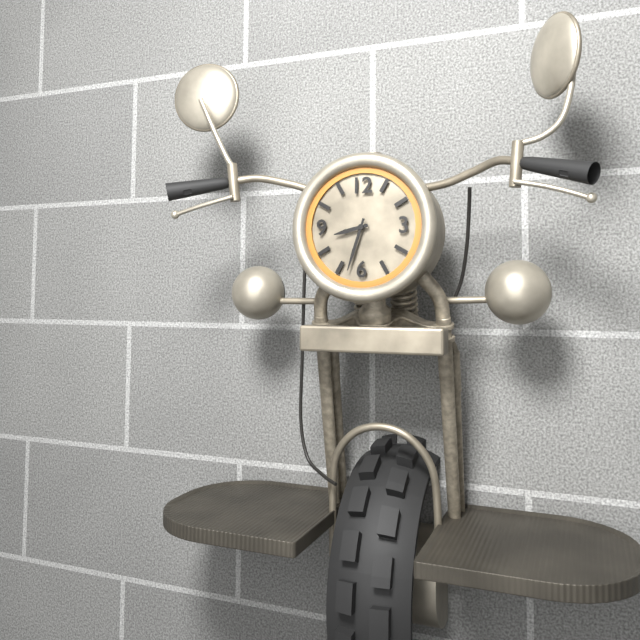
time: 8:33
